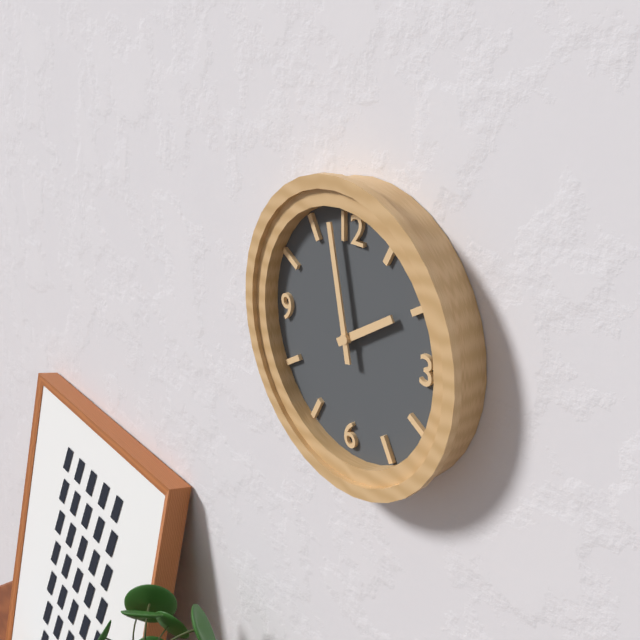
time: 1:58
